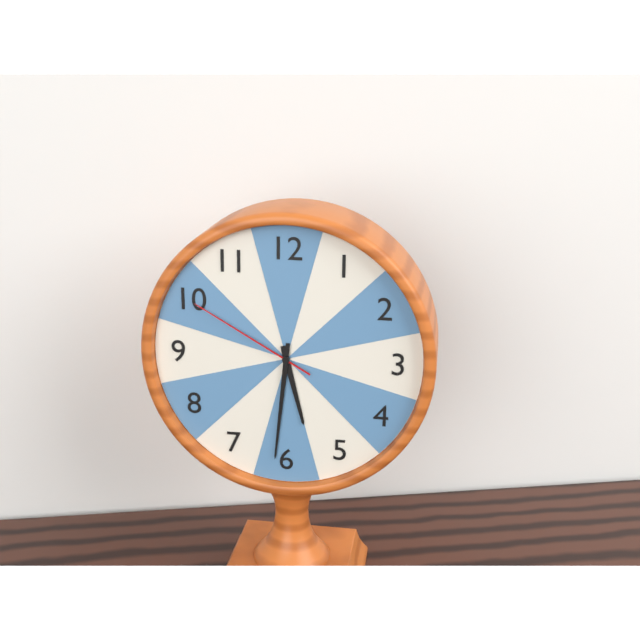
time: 5:31:50
